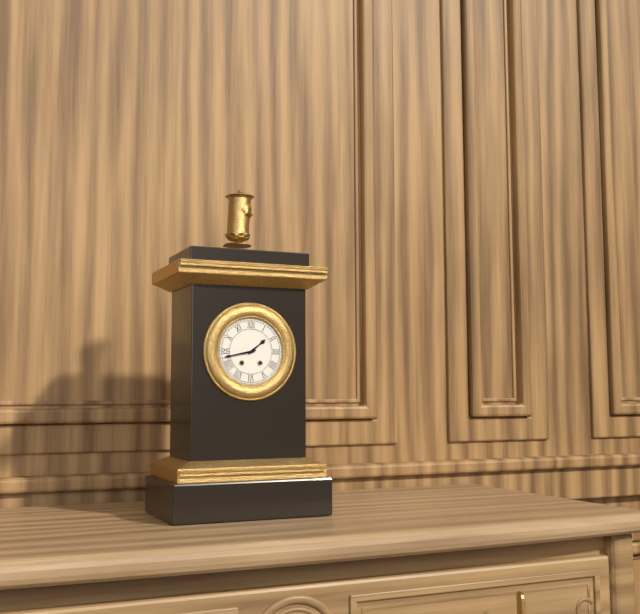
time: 1:43
